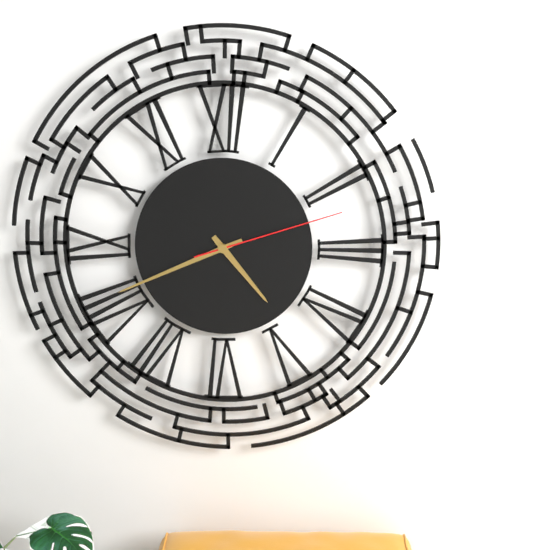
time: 4:41:12
